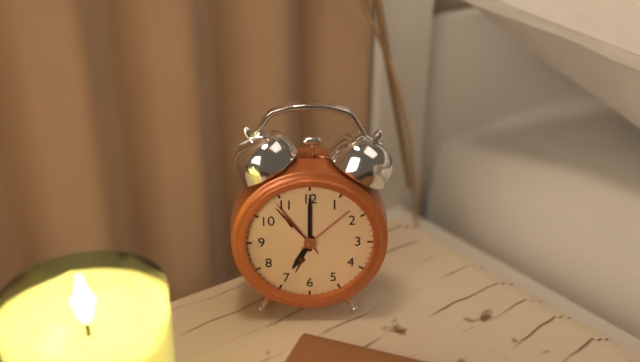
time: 7:00:54
